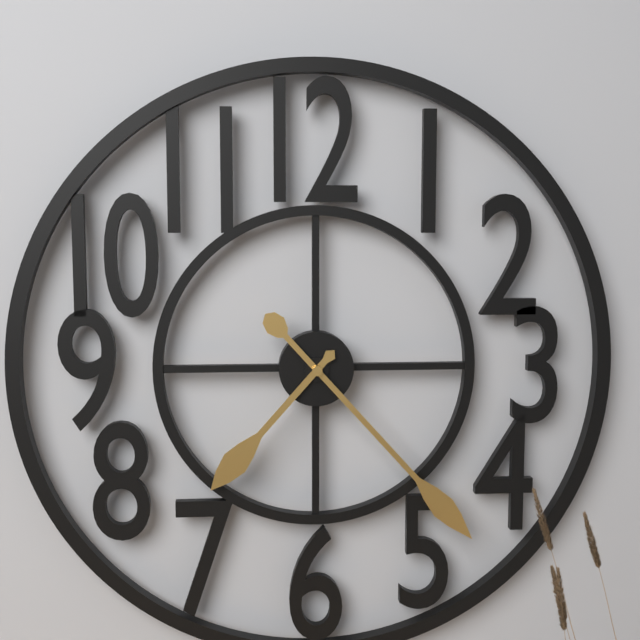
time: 7:23
